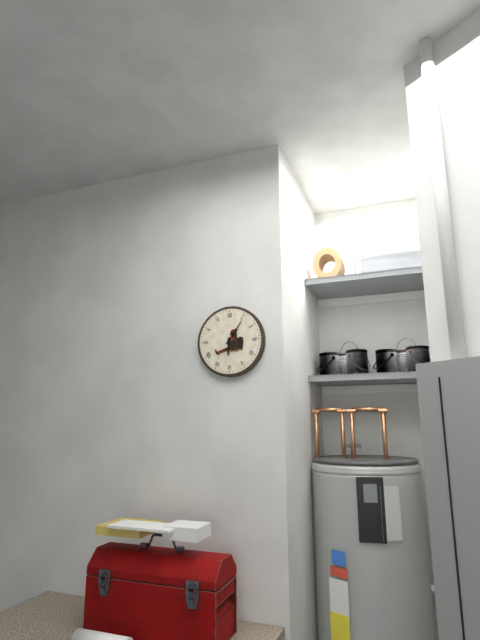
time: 6:06
